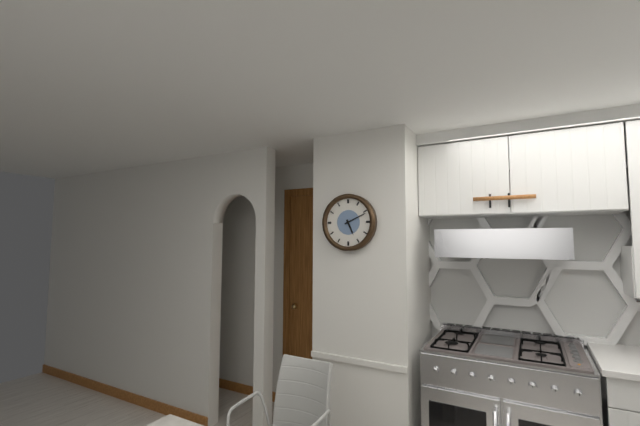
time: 5:11
